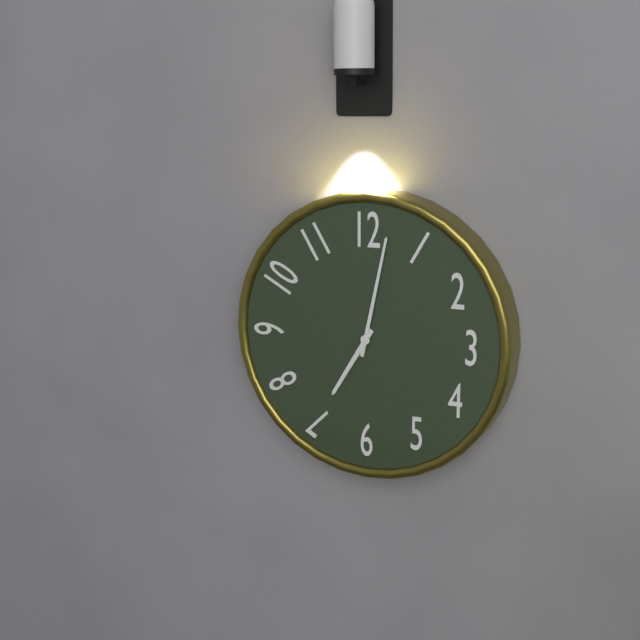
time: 7:02
